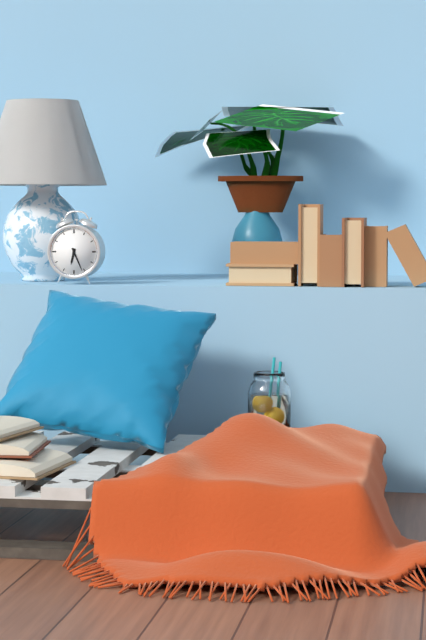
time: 6:26
